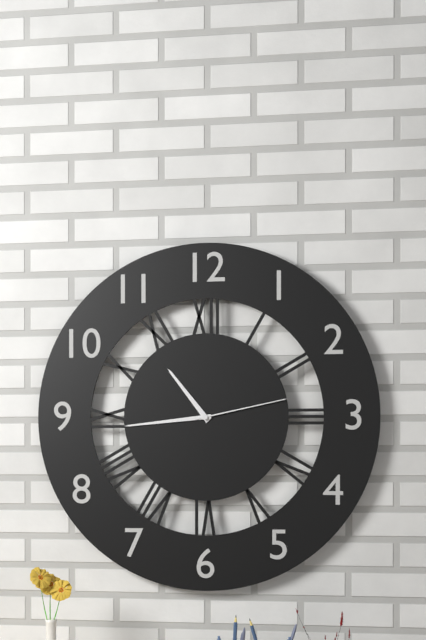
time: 10:44:13
